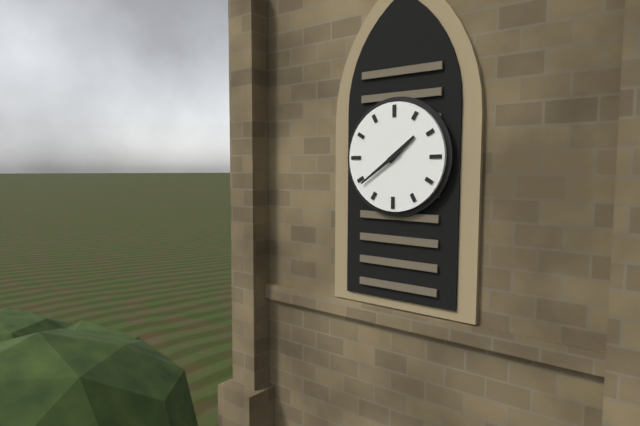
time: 1:39
